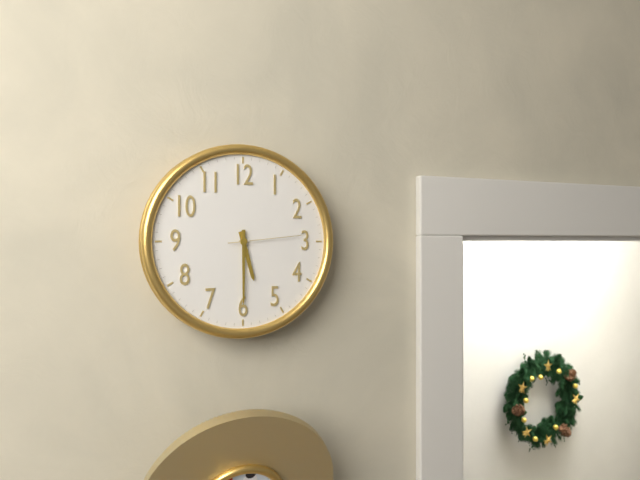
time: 5:30:14
